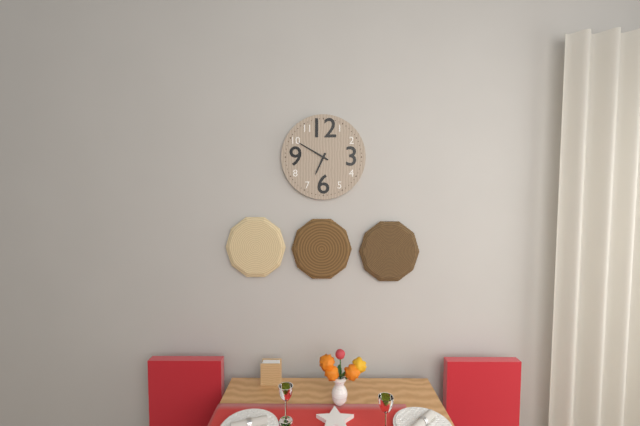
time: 6:50
